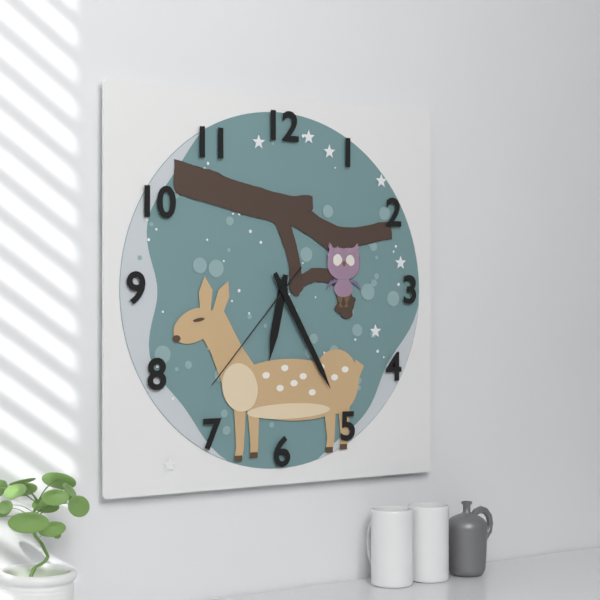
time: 6:25:37
